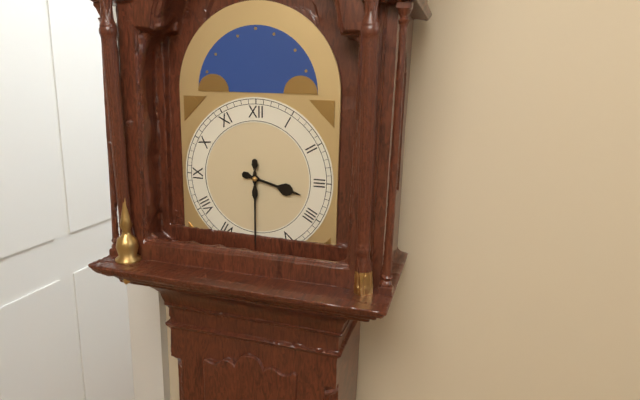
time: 3:30
